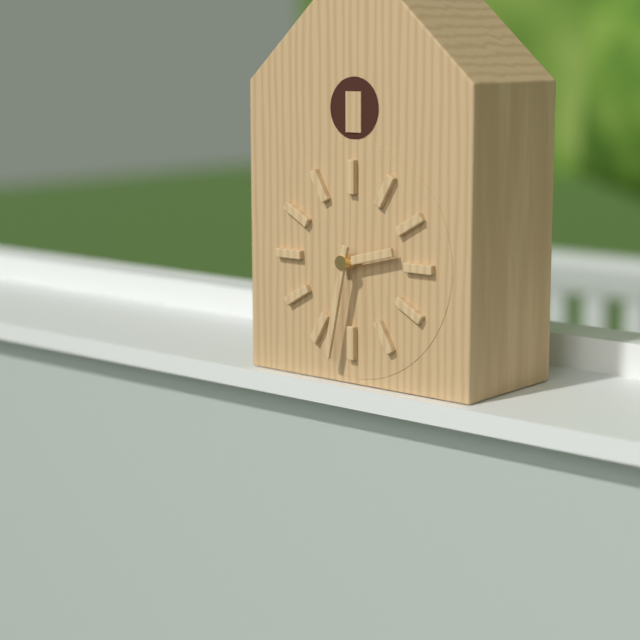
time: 2:32
